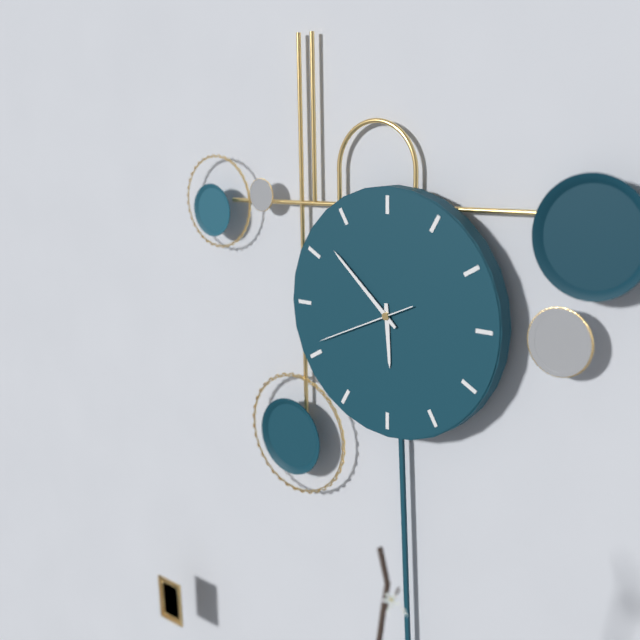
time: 5:52:41
